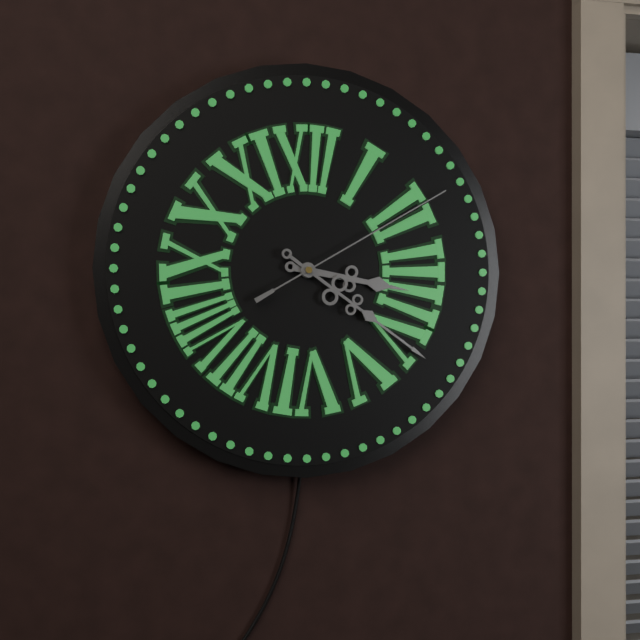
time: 3:21:10
